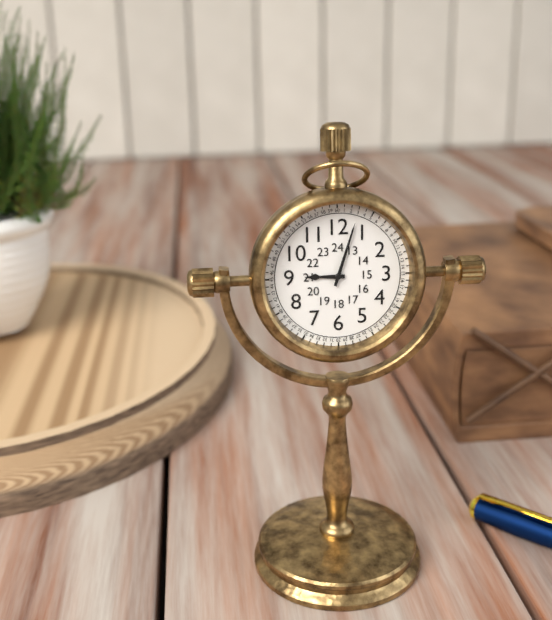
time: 9:03
